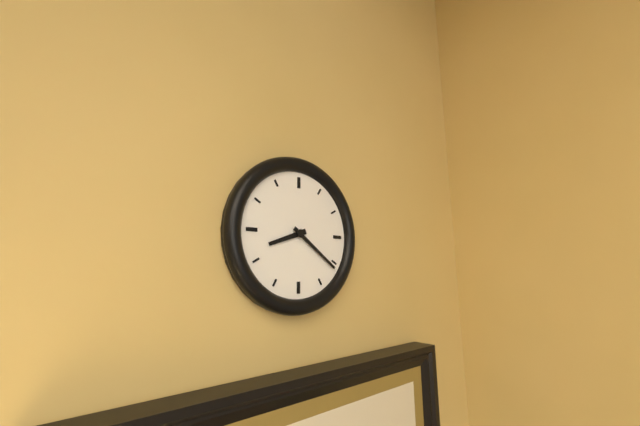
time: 8:21
